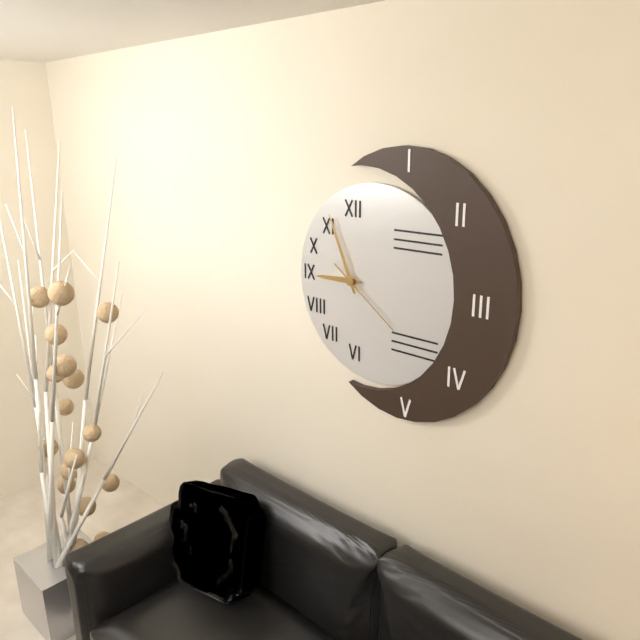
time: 8:56:21
